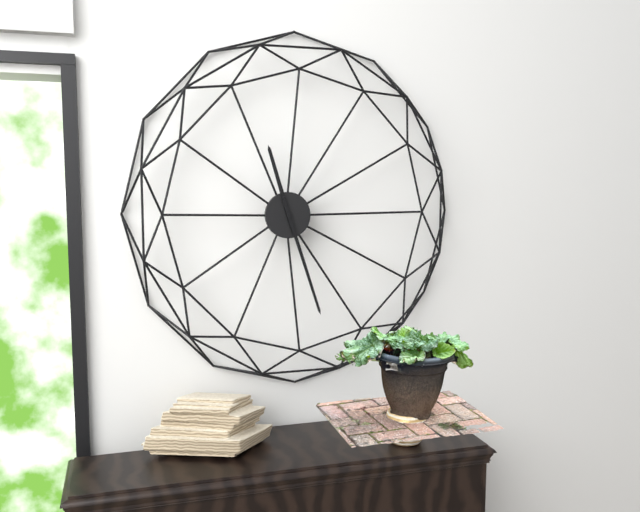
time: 11:27
